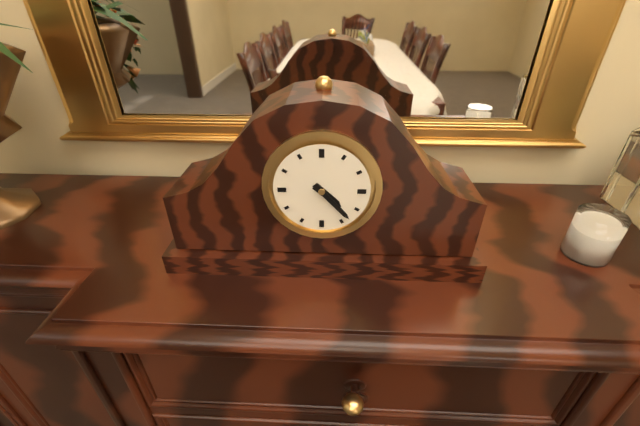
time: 4:23
